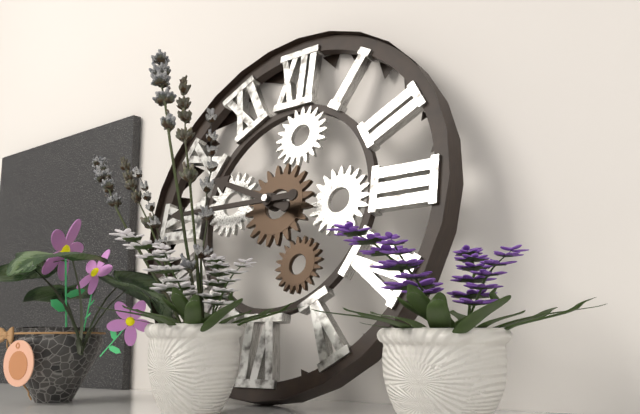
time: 9:45
